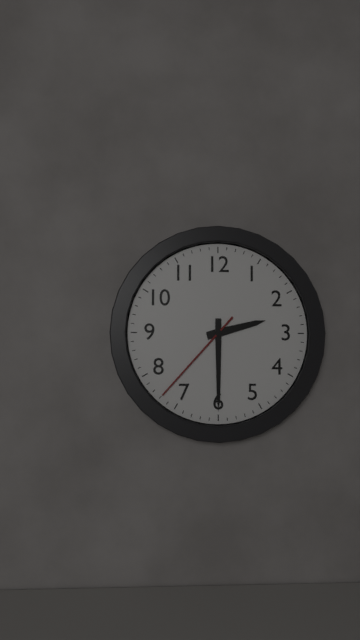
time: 2:30:37
